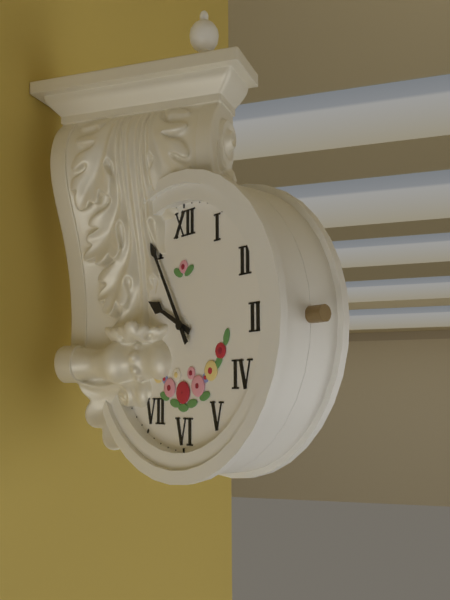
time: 9:55
